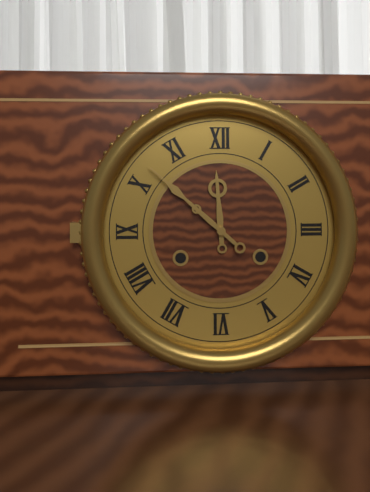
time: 11:52
